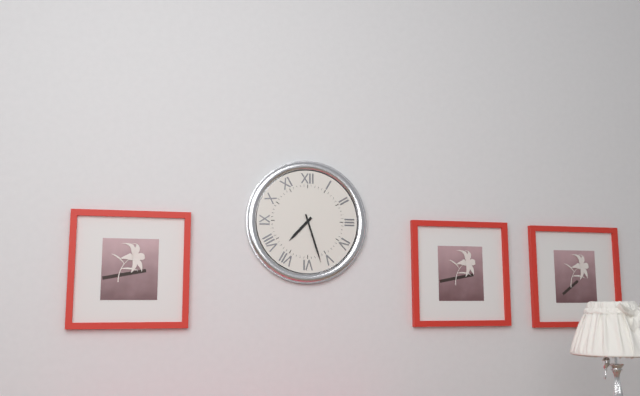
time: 7:27
